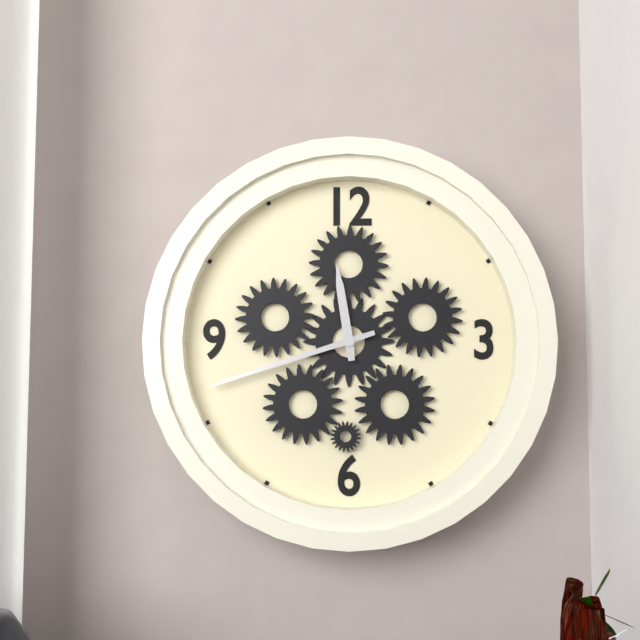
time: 11:42
